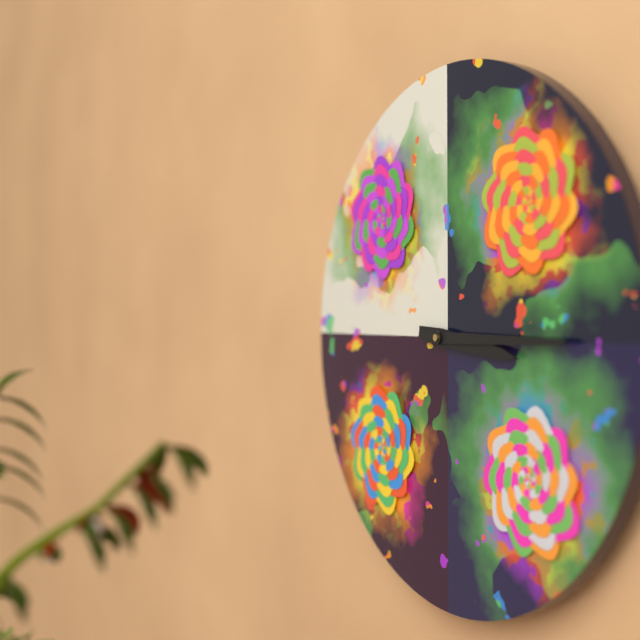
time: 3:15
